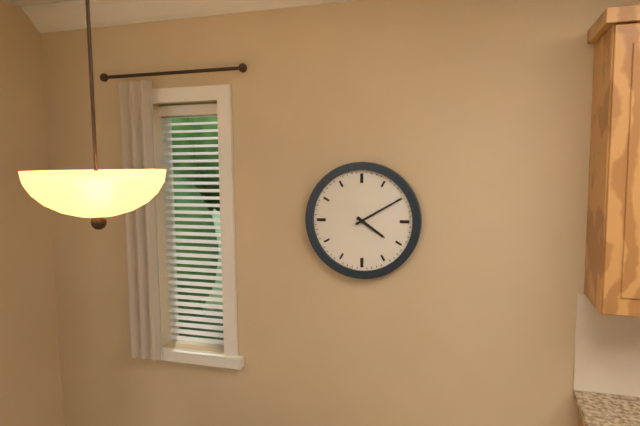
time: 4:10
